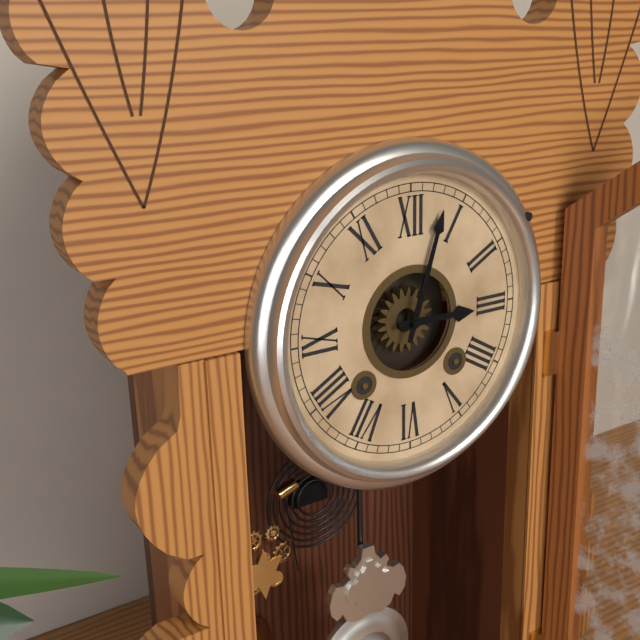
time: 3:03
